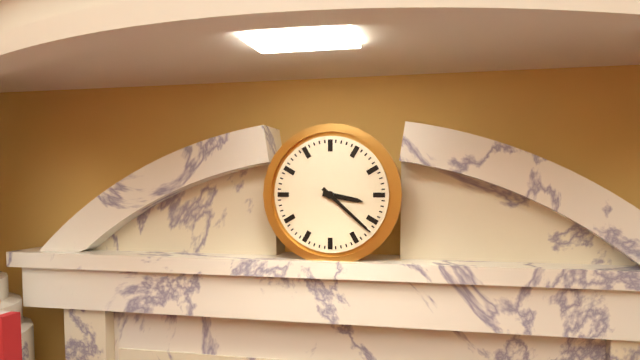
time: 3:22
